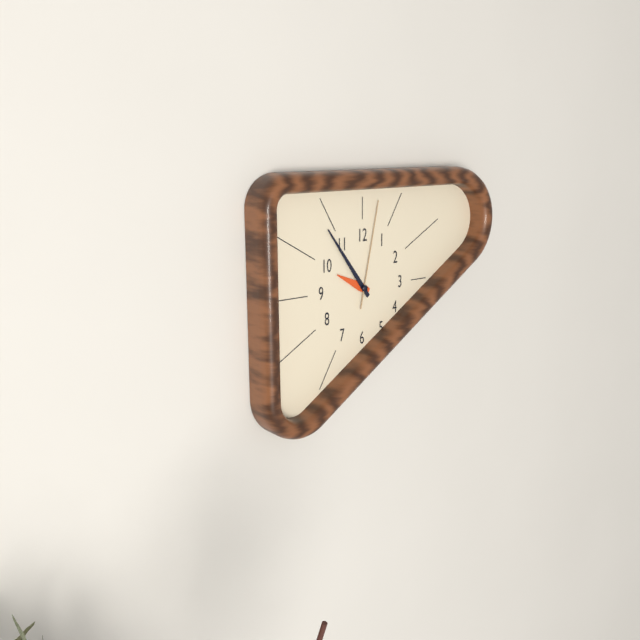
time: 9:54:02
